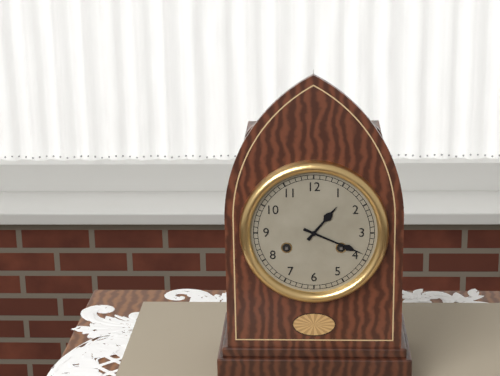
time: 1:19
